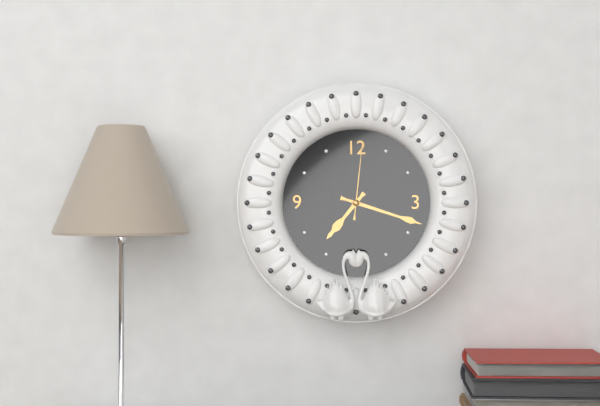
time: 7:18:01
